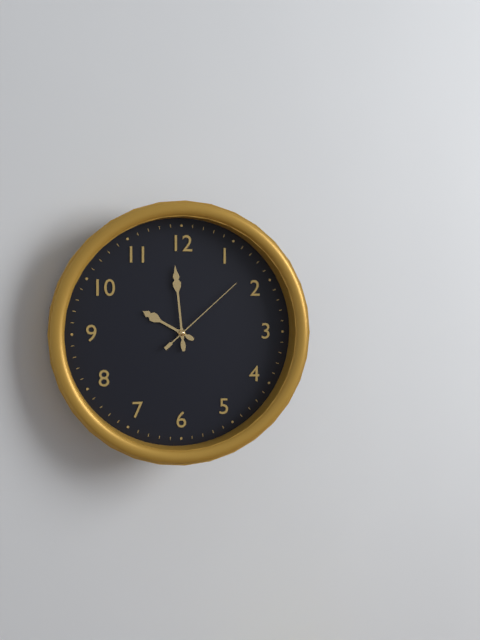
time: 9:59:08
